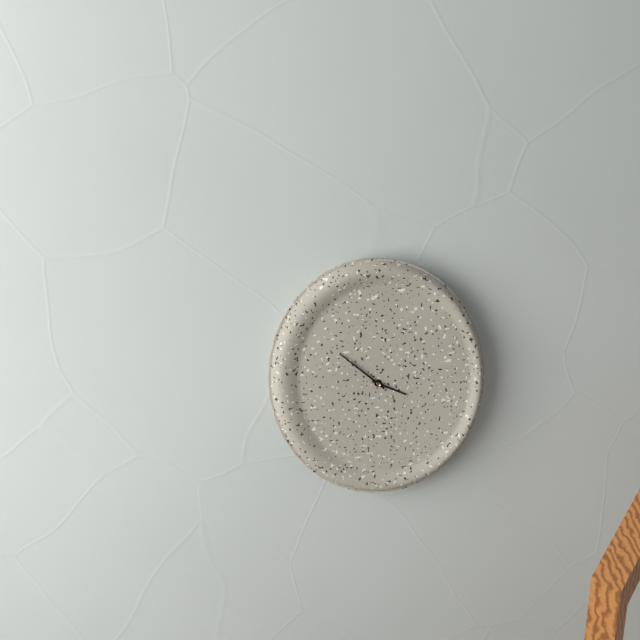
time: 3:52
